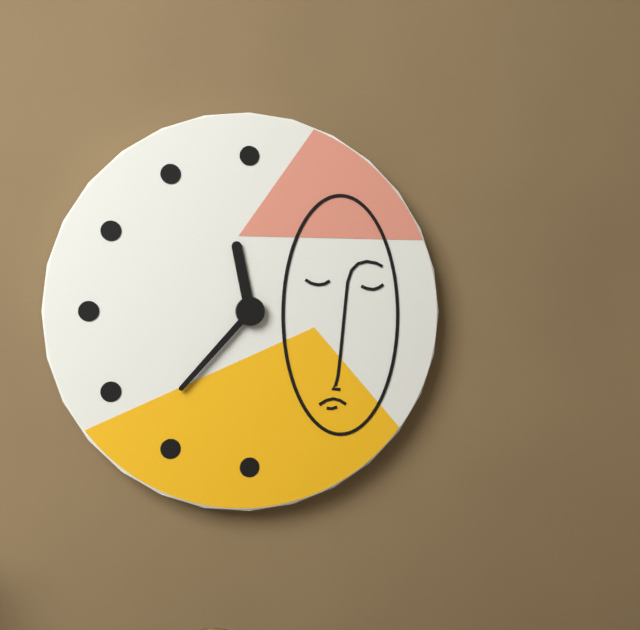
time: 11:37
